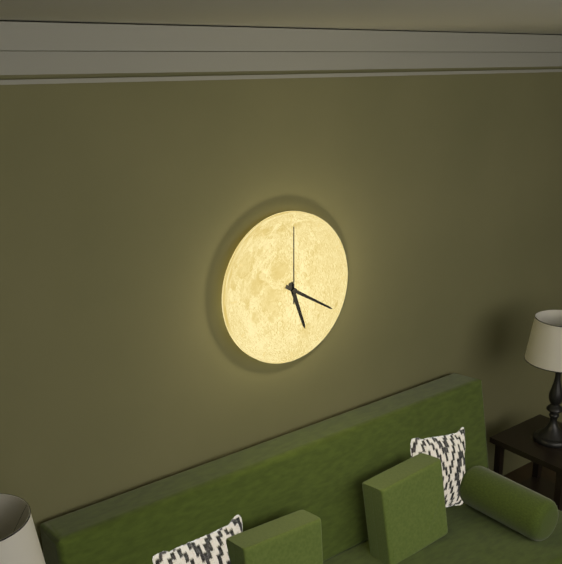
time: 5:20:00
